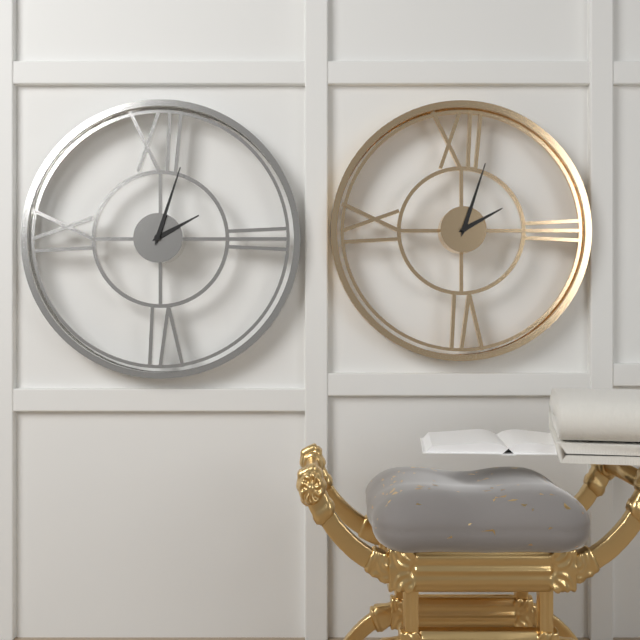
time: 2:03
